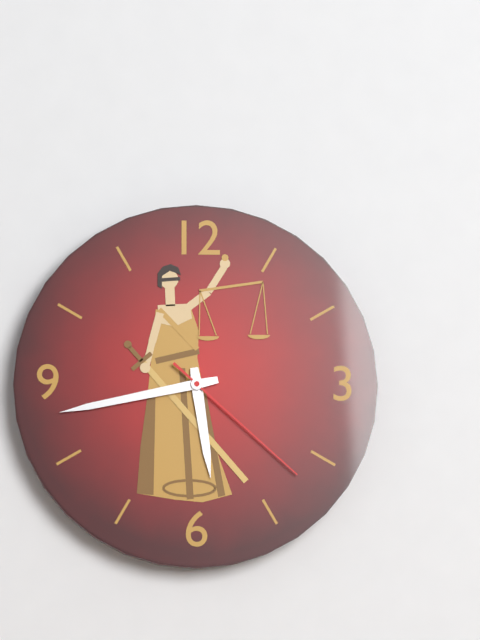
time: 5:43:22
